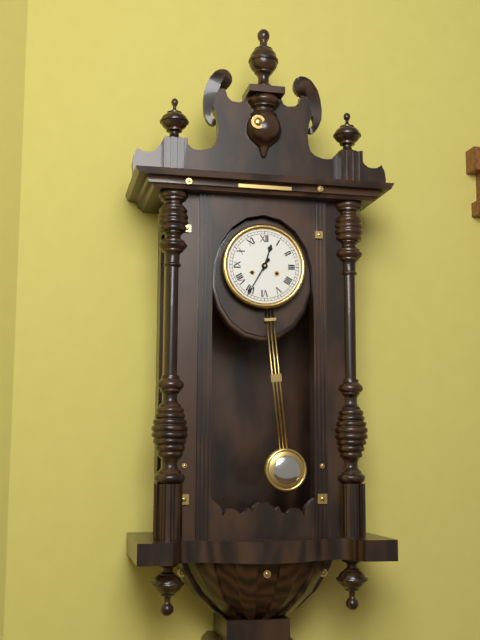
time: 12:35
